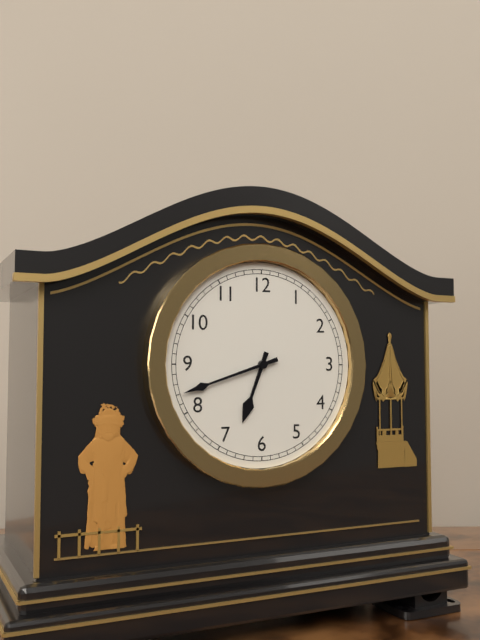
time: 6:42
